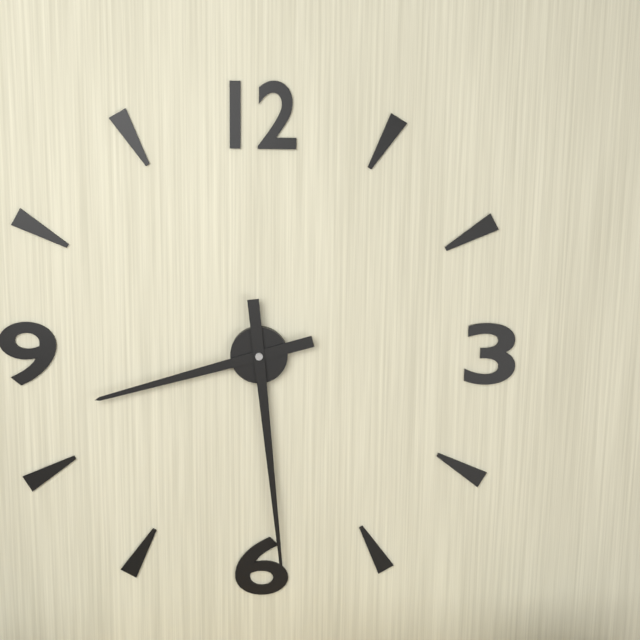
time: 8:29
